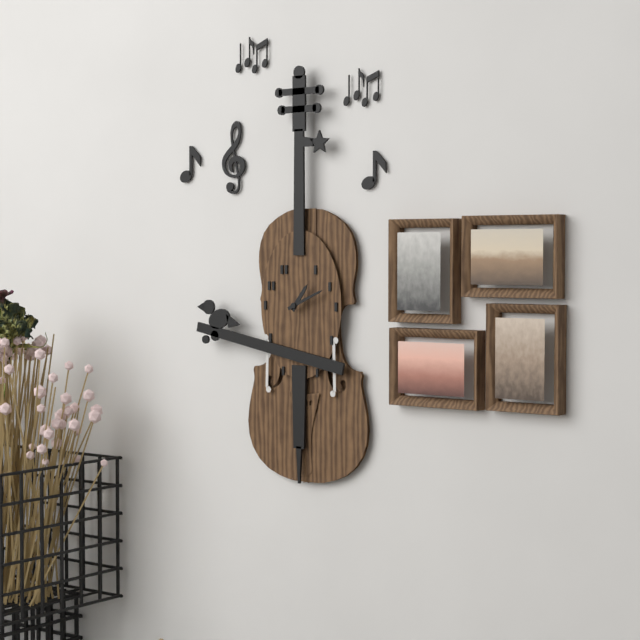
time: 1:11
